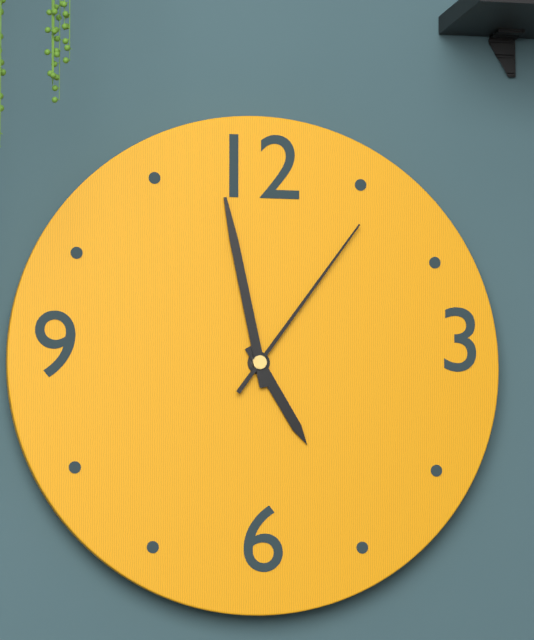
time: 4:58:06
